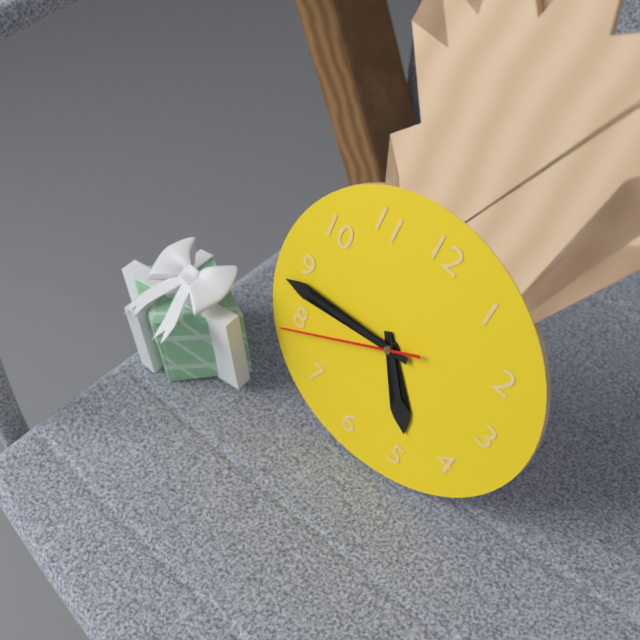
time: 4:43:39
